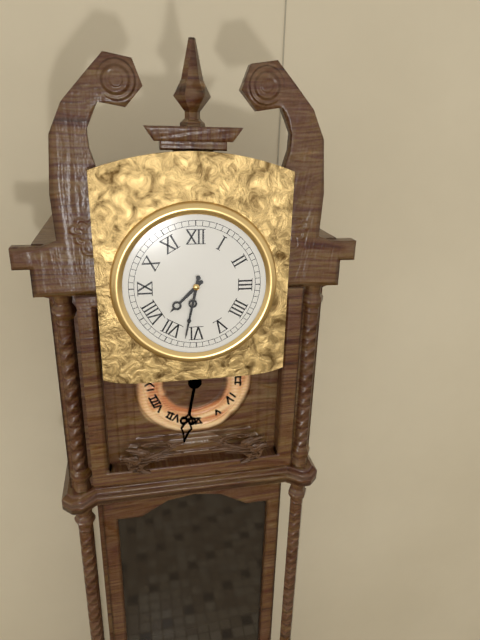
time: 7:32
